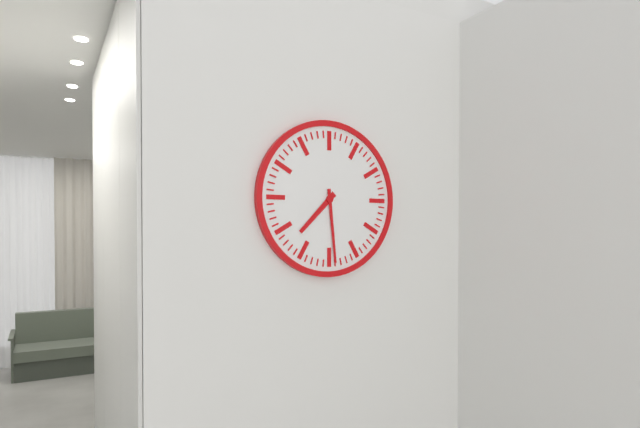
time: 7:29
